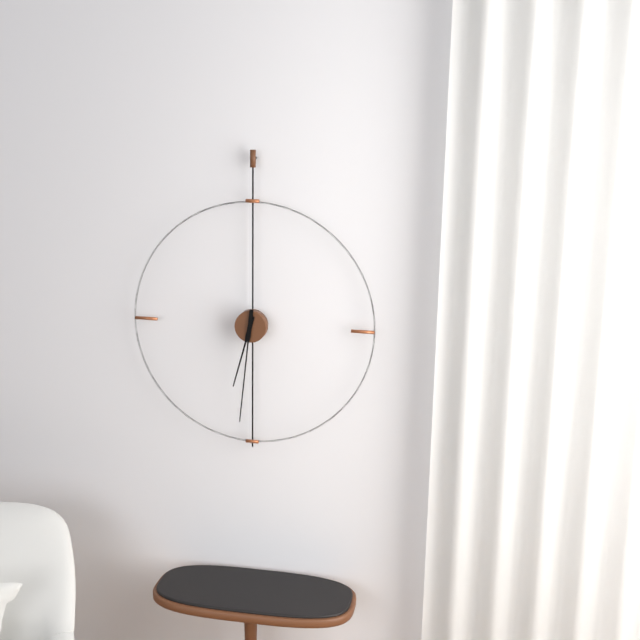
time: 6:31
